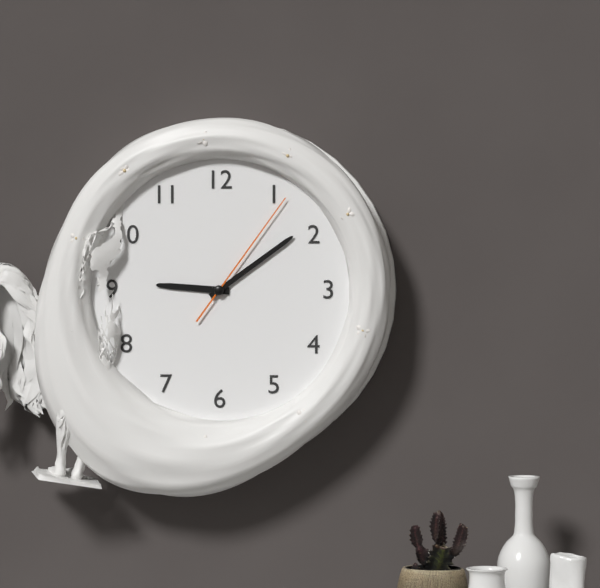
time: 9:09:06
